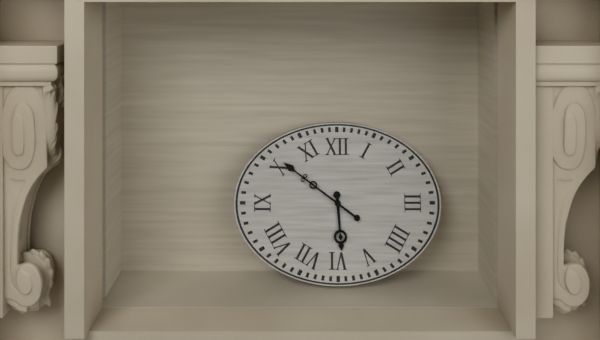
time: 5:51
